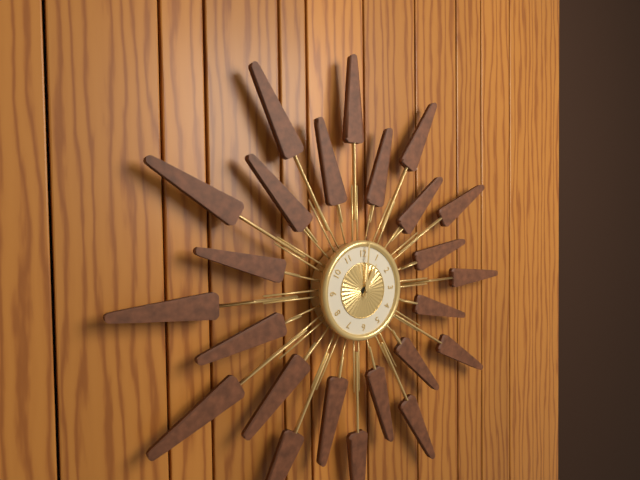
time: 1:01
